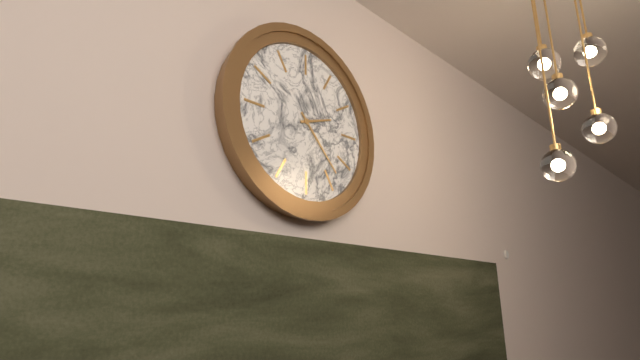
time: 2:23
